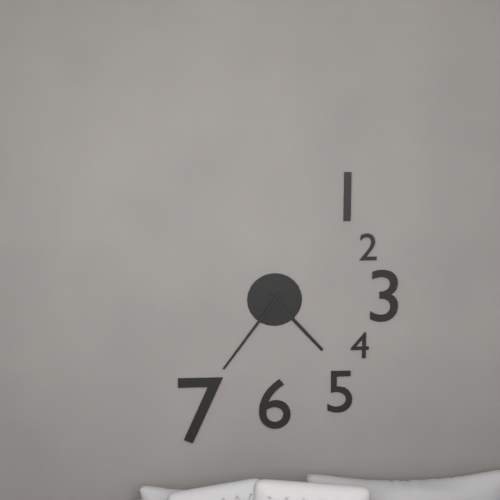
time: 4:36
